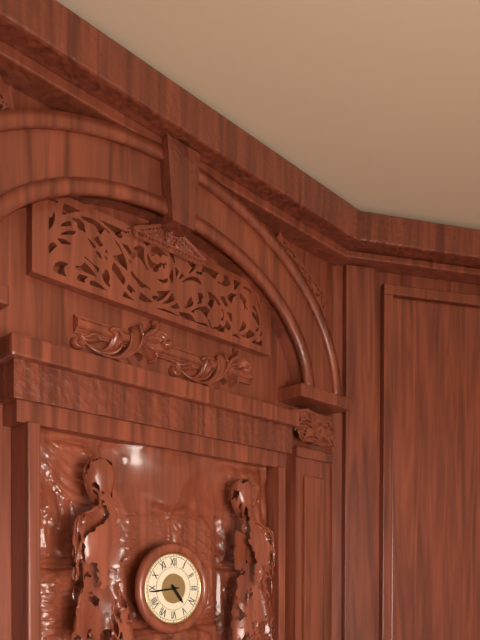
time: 4:44
